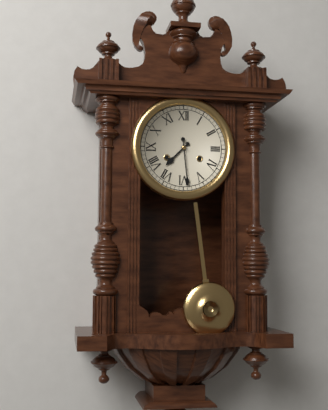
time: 7:29
